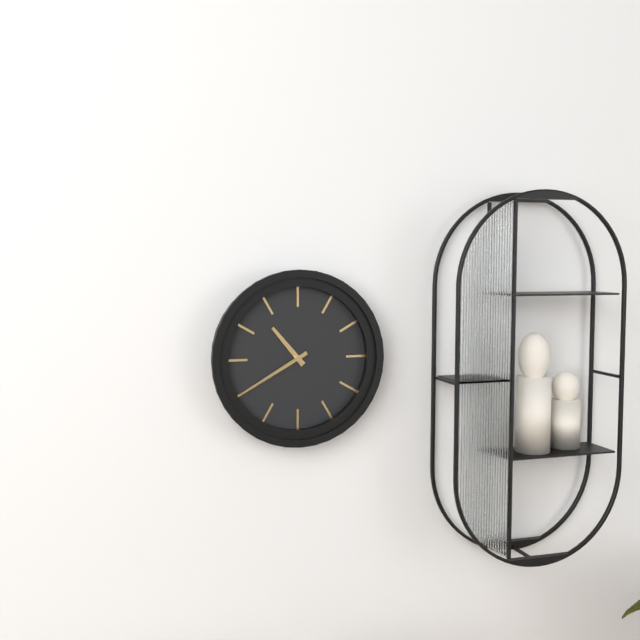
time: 10:40
